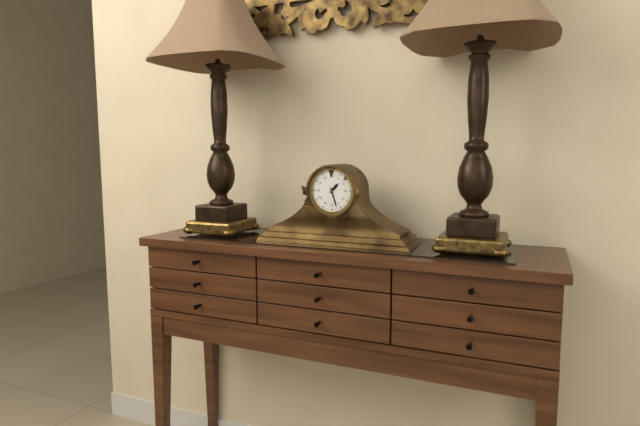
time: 1:27
